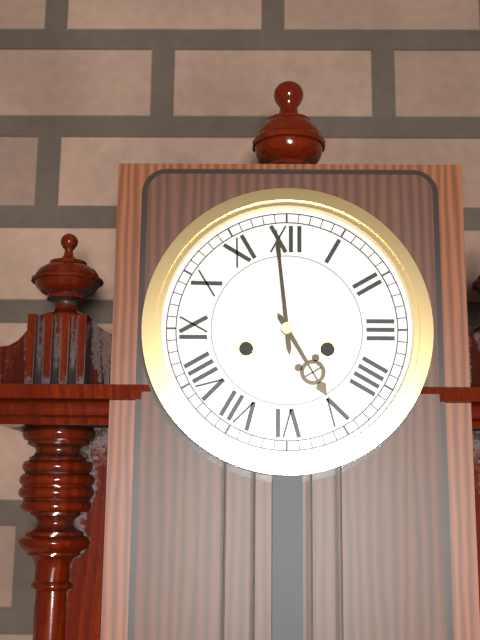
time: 4:59
